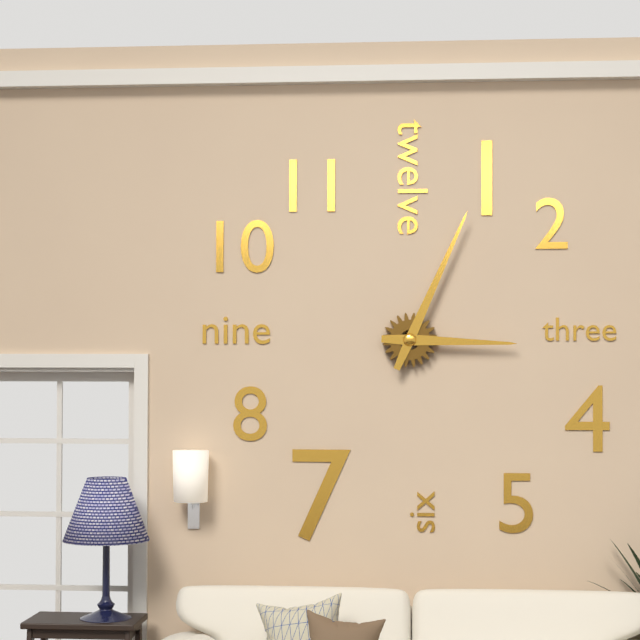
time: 3:04
